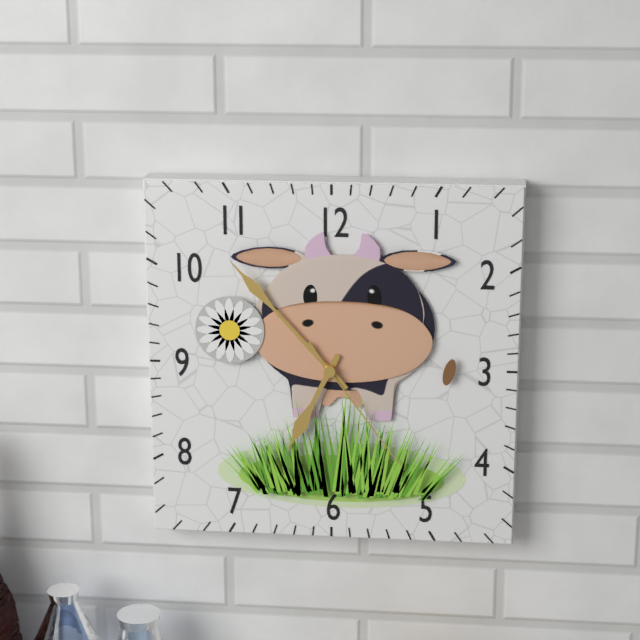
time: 6:53:24
